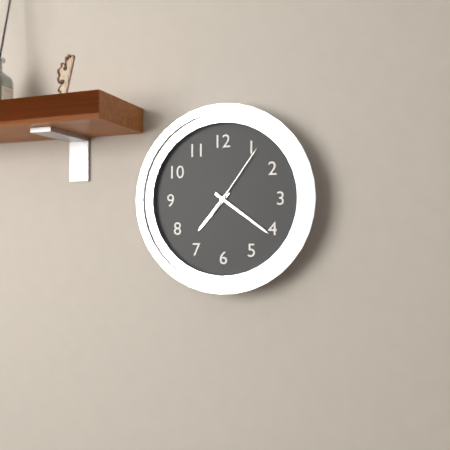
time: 7:21:06
